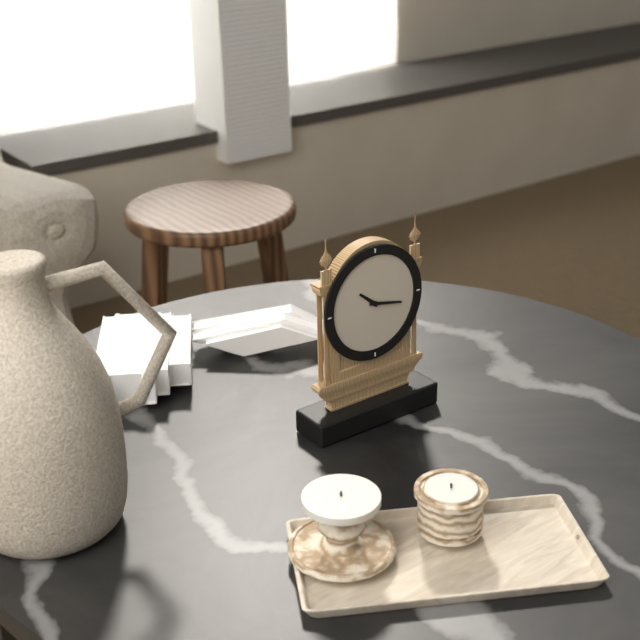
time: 10:17
